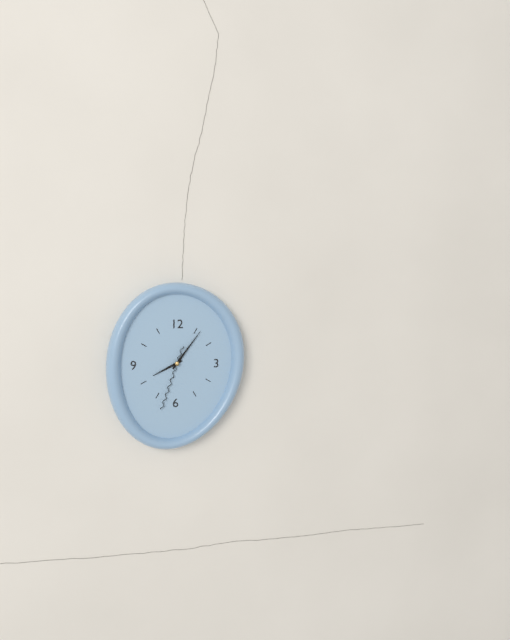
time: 8:06:33
